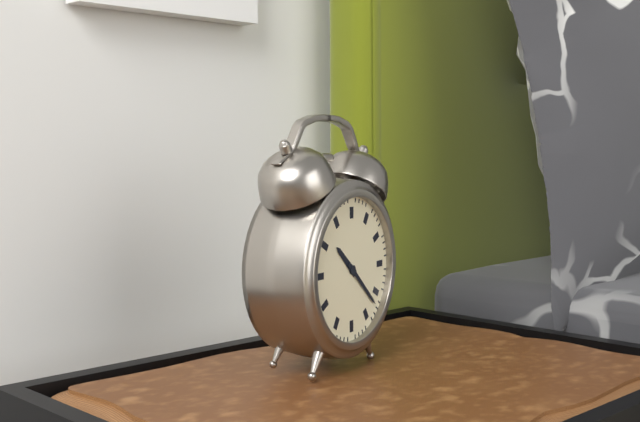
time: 10:22
